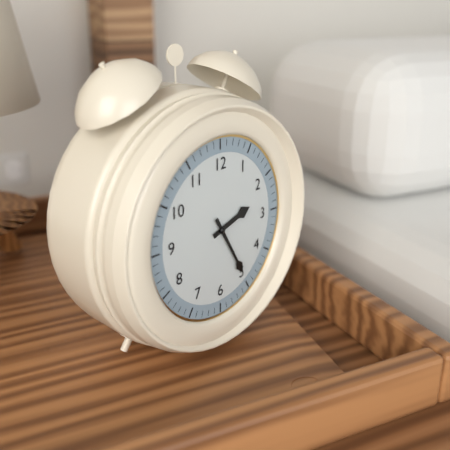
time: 2:25
